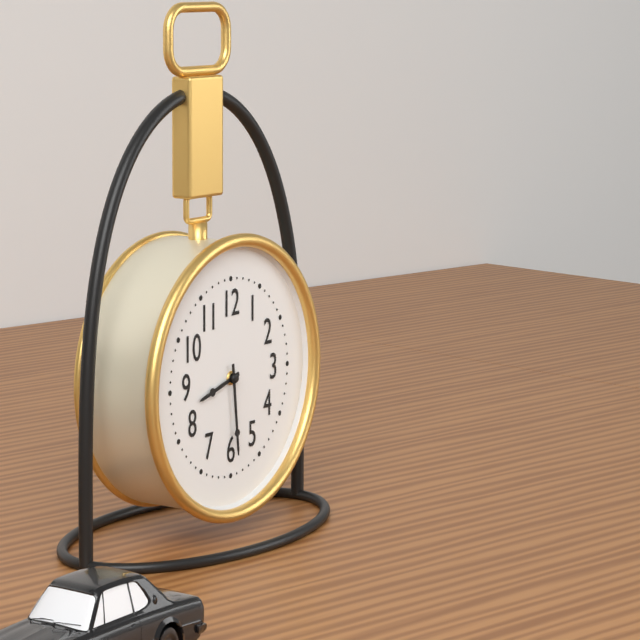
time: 8:29
